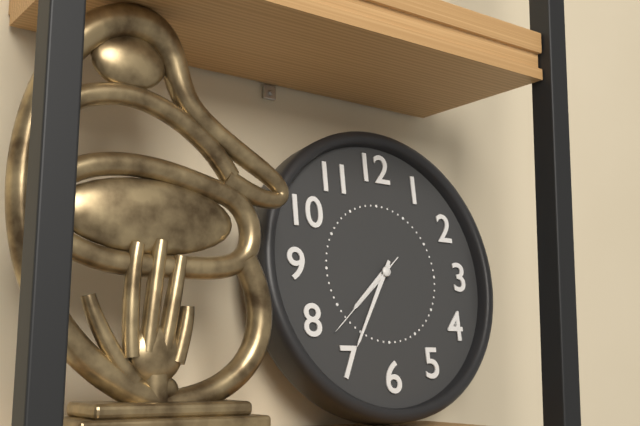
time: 7:35:38
